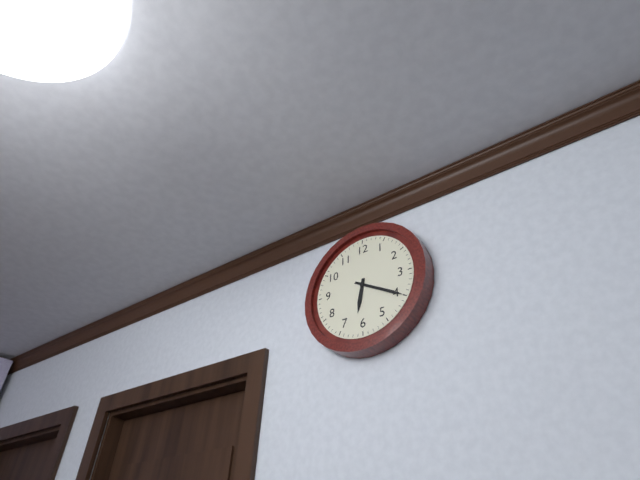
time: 6:20
